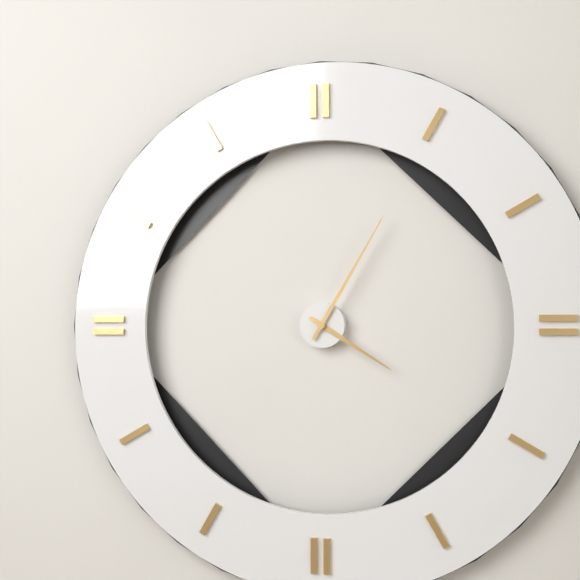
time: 4:05
